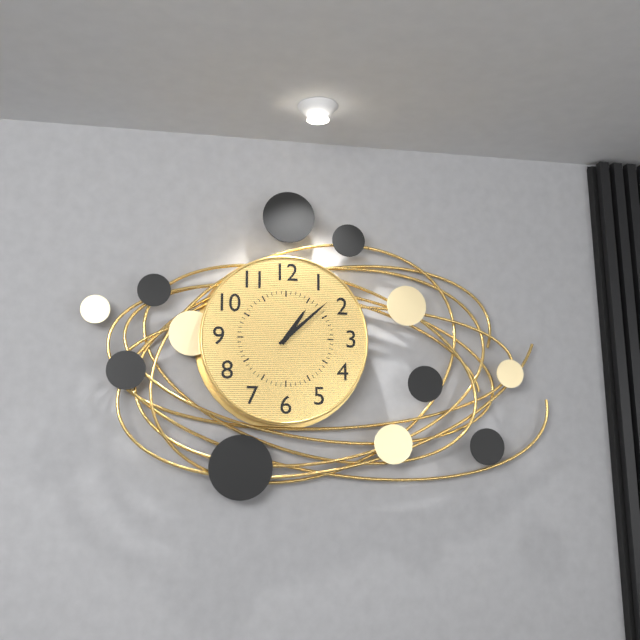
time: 1:08
